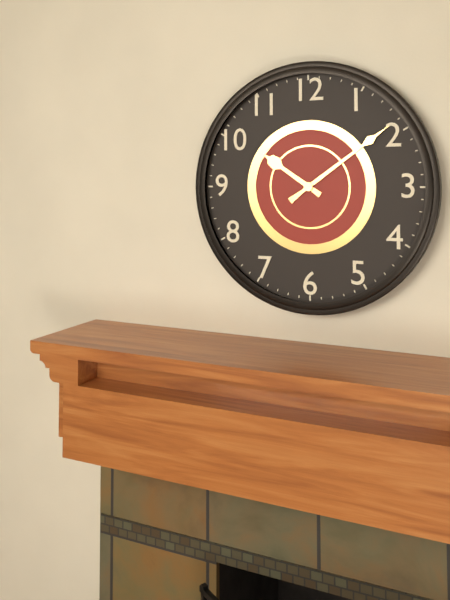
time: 10:09
